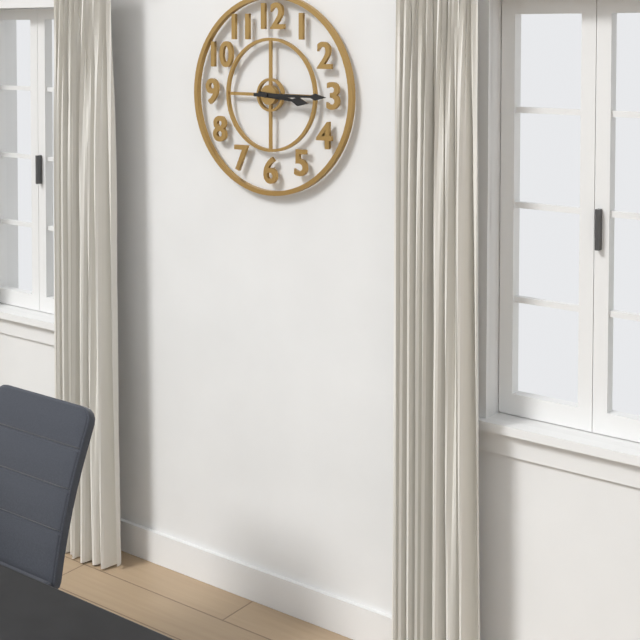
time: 3:15
